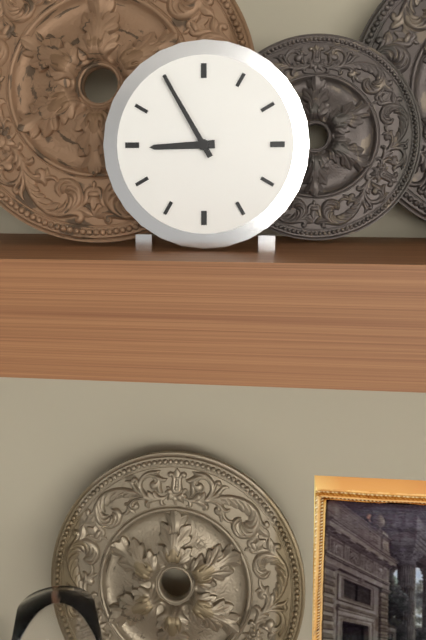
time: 8:55
